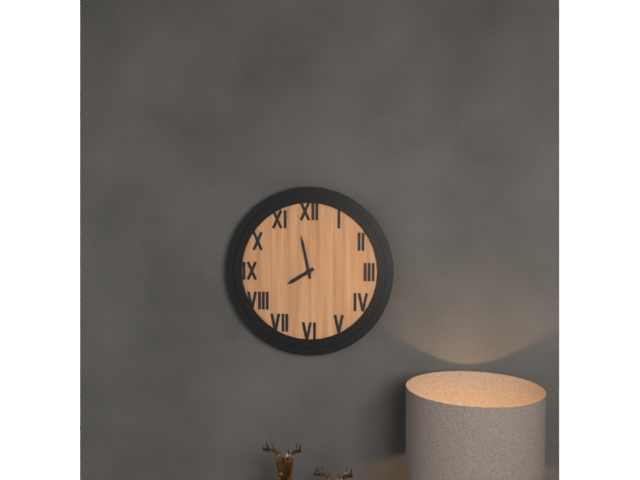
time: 7:58
